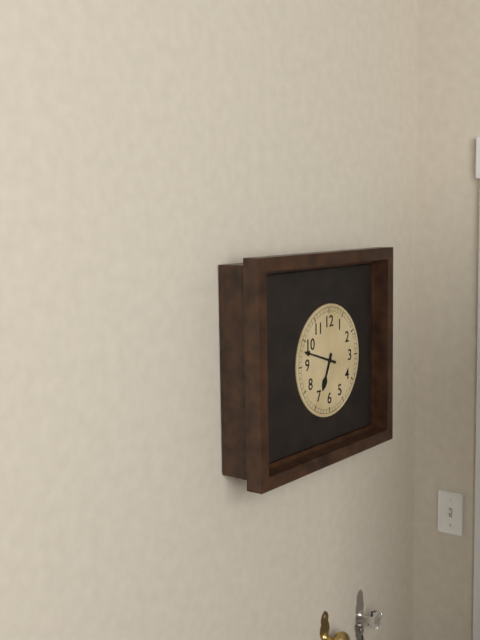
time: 6:48
